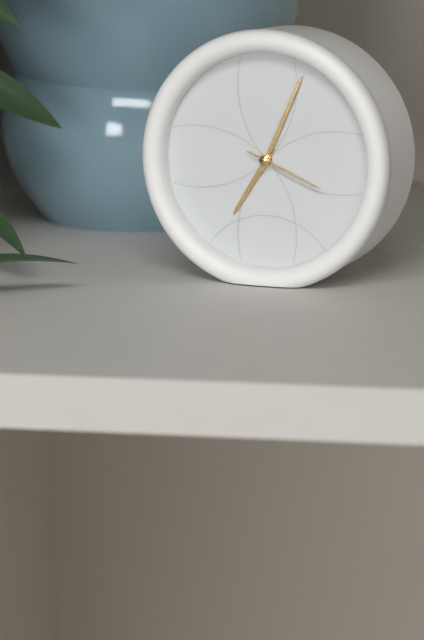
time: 7:04:19
